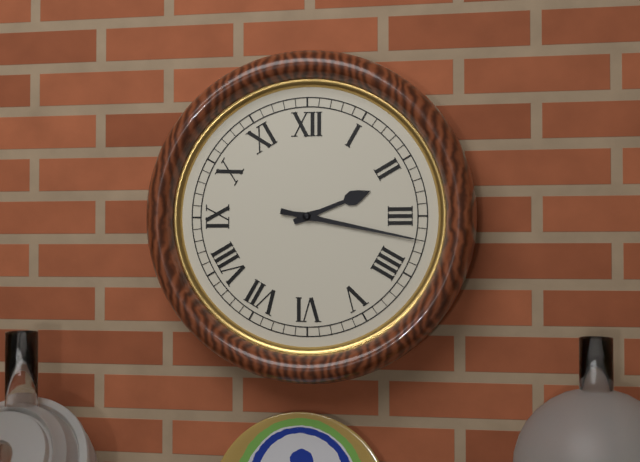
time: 2:17
